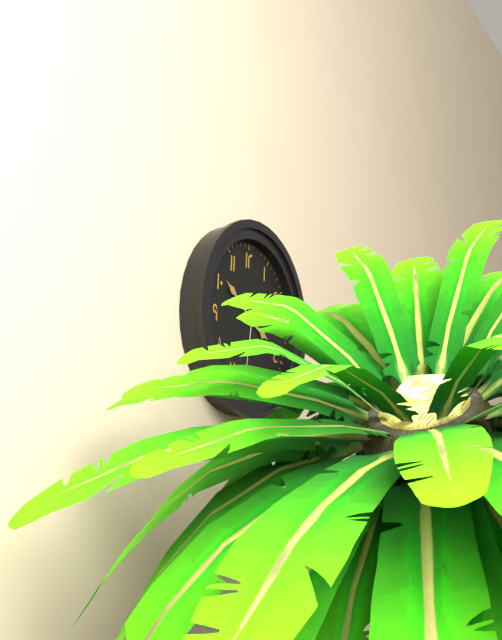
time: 3:51:32
